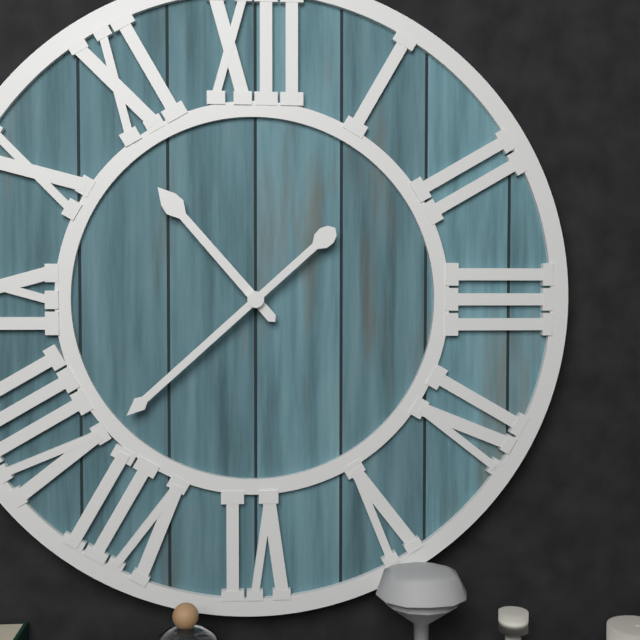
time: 10:38
